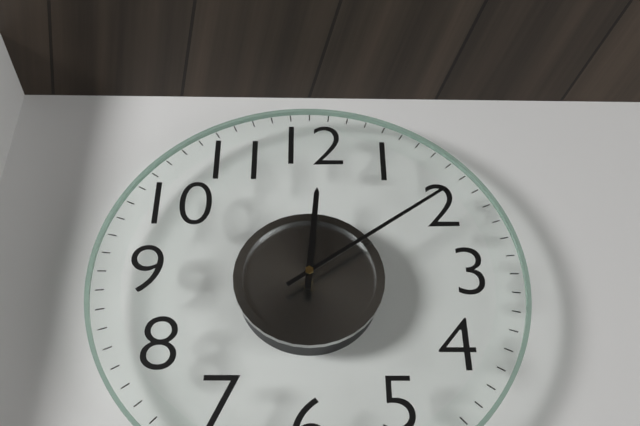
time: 12:09
